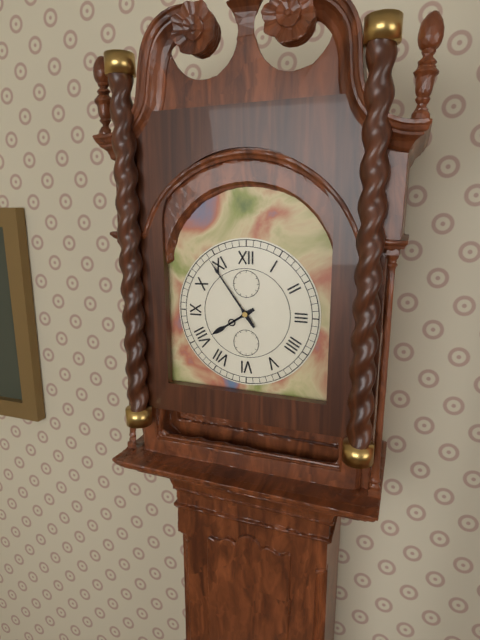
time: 7:54
